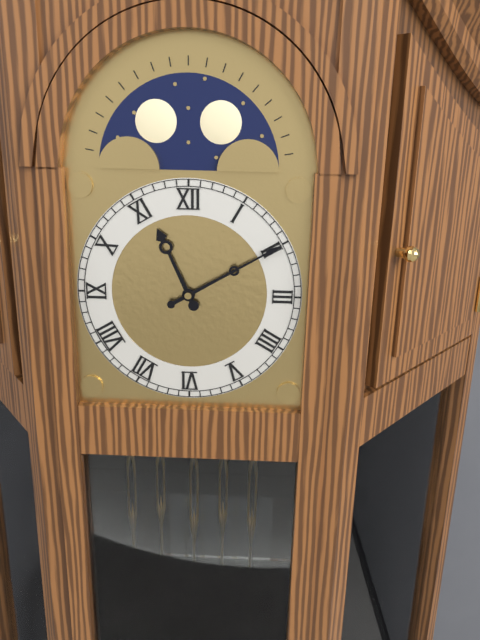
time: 11:10
